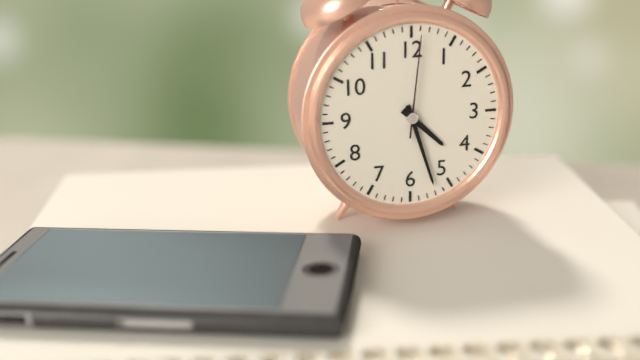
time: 4:27:01
